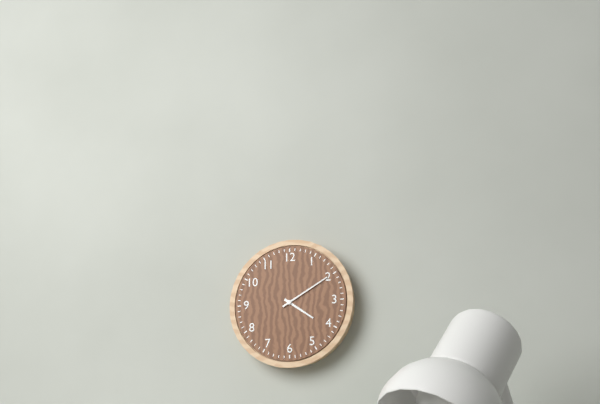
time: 4:10
